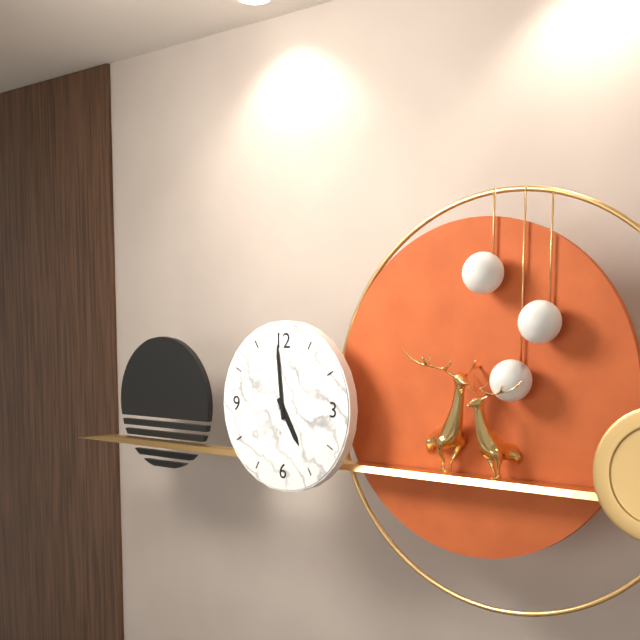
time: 4:59
